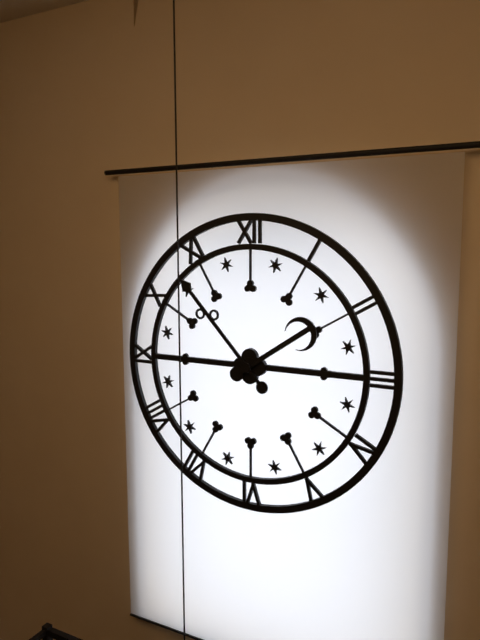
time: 1:53
